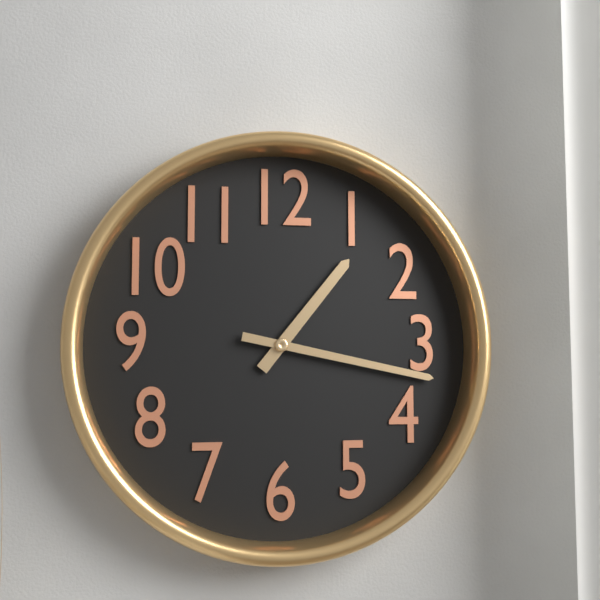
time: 1:17
